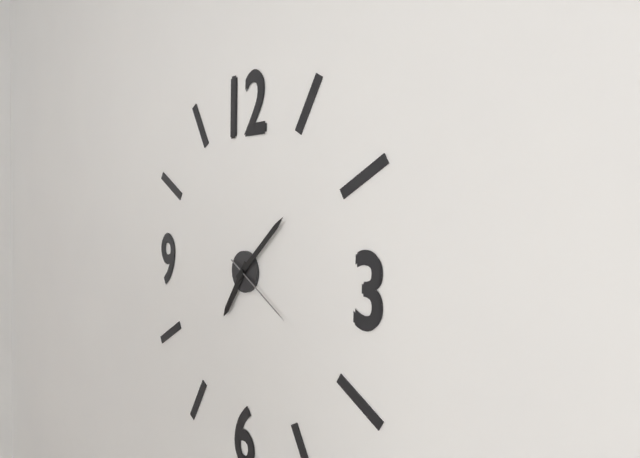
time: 7:08:20
